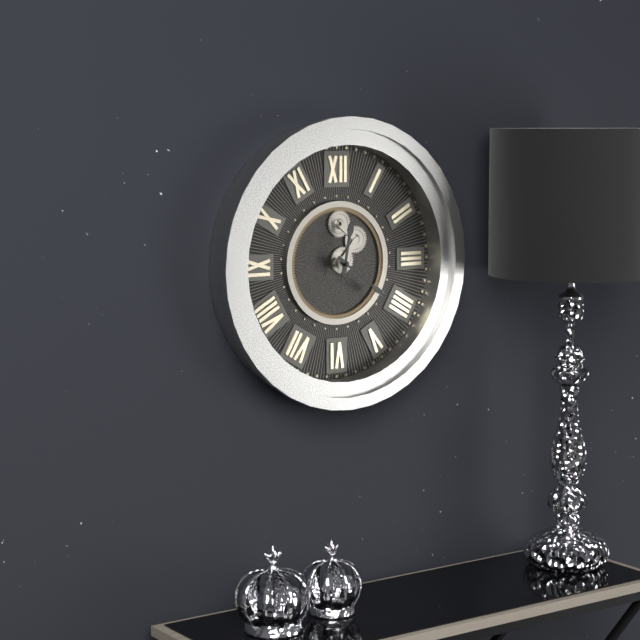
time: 12:21
